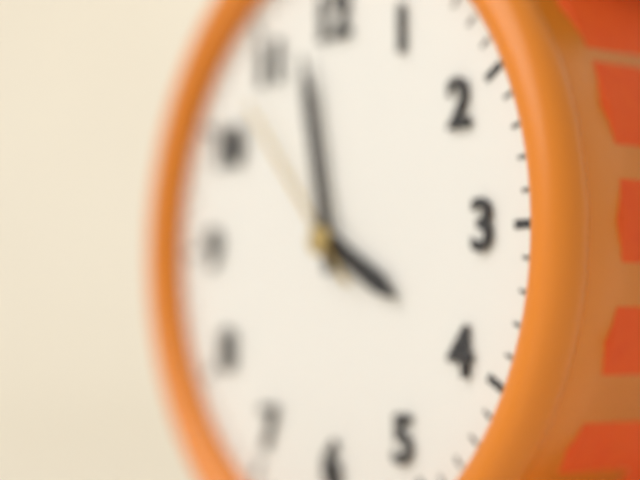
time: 3:58:53
